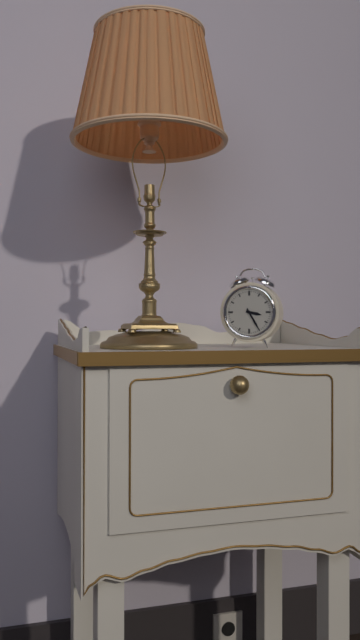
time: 3:25
